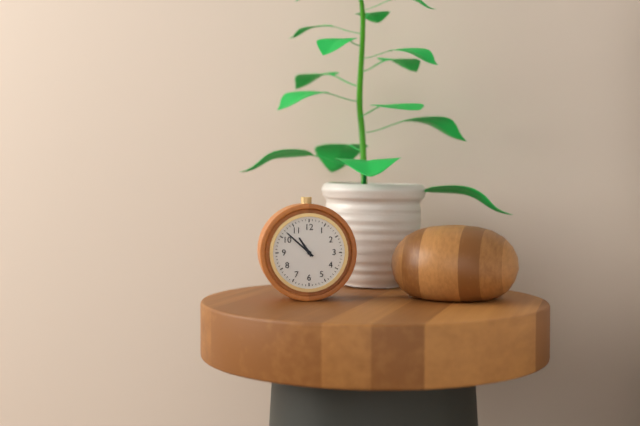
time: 10:52
